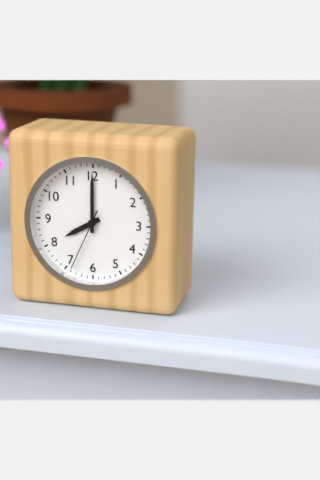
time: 8:00:34
